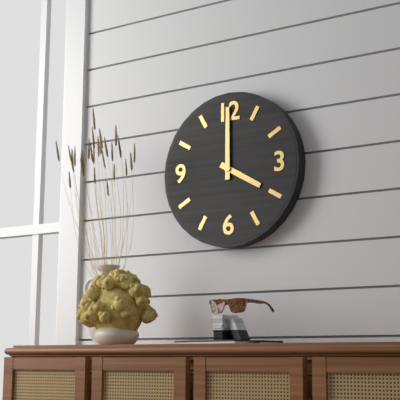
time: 4:00
